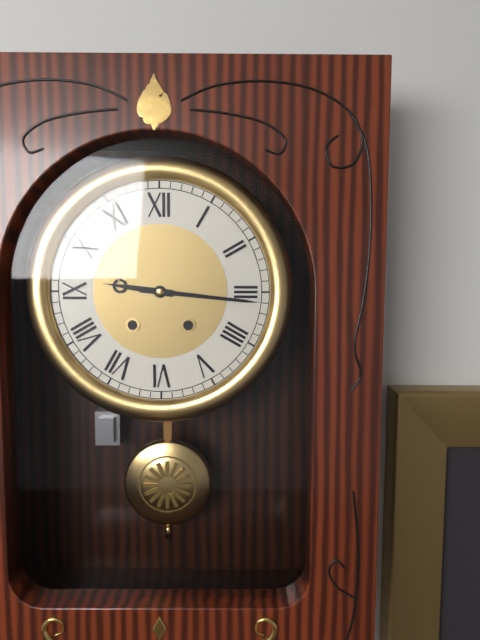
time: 9:16
